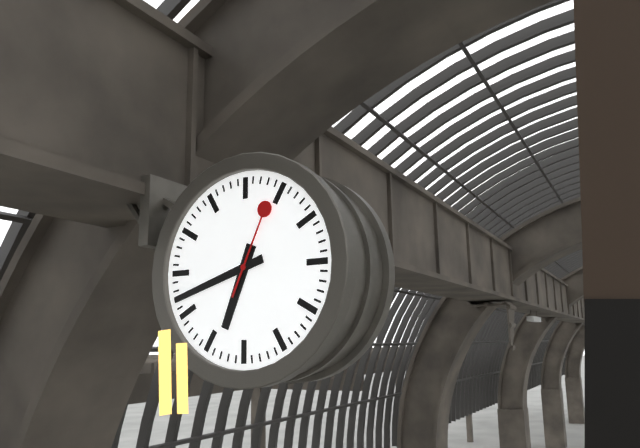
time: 6:42:04
